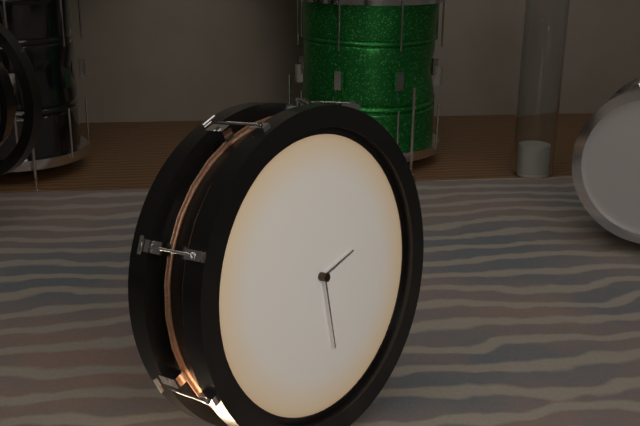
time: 2:29
